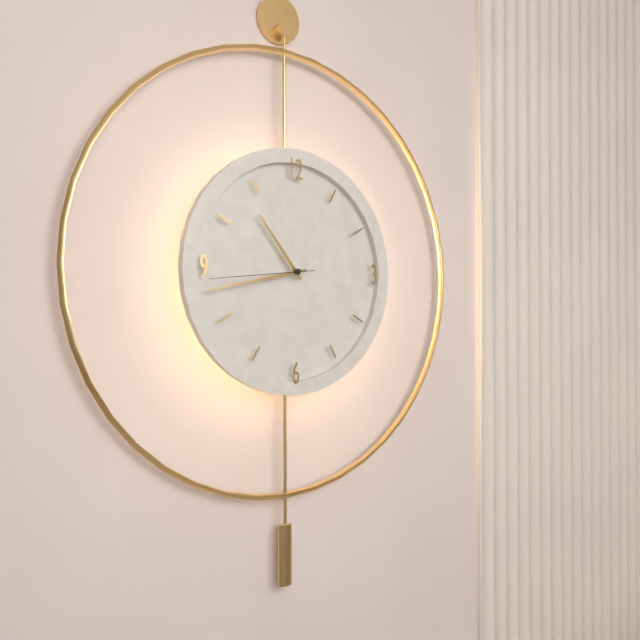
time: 10:43:44
